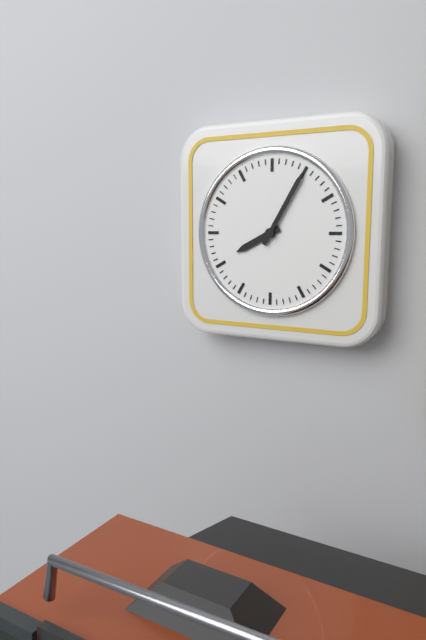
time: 8:05
